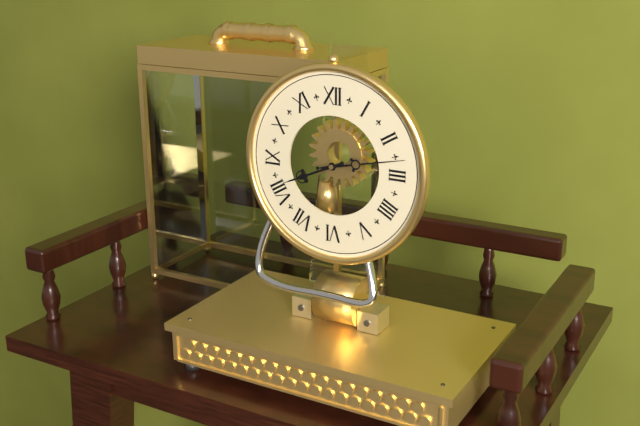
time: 8:13
